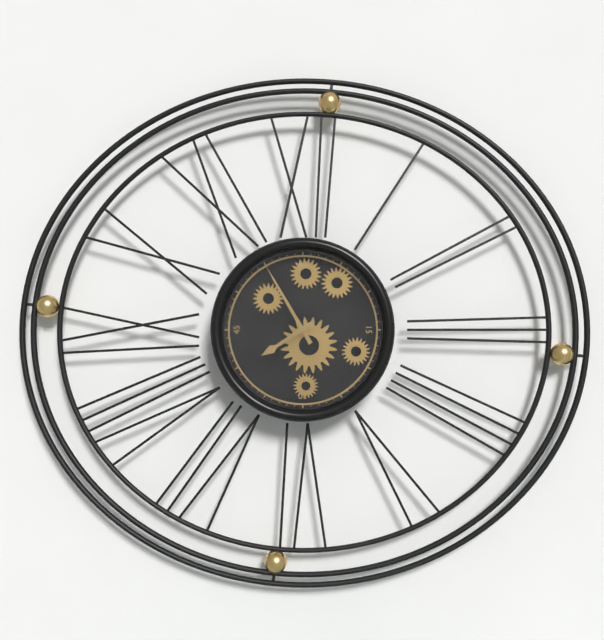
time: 7:55
